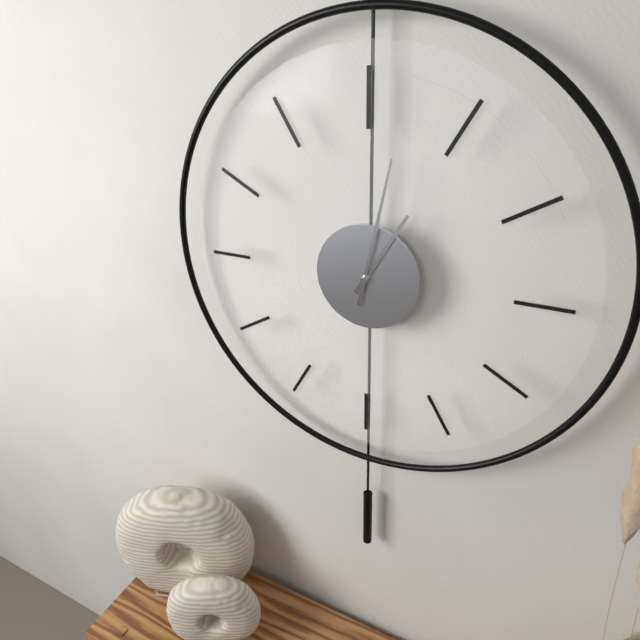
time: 1:02
